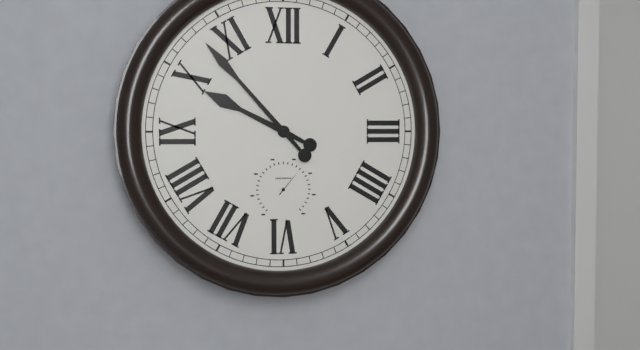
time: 9:53
